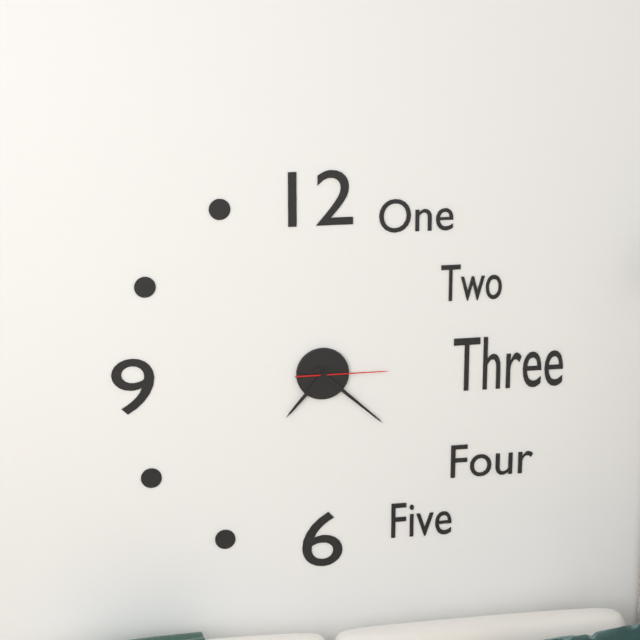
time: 7:22:15
